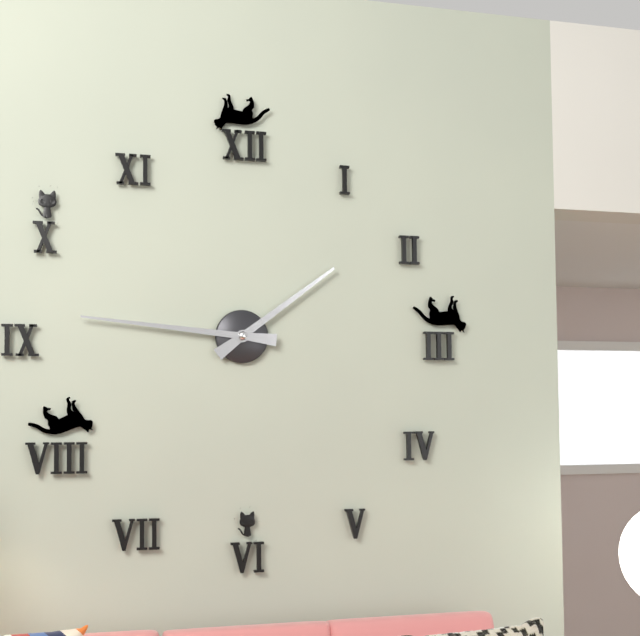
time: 1:46
